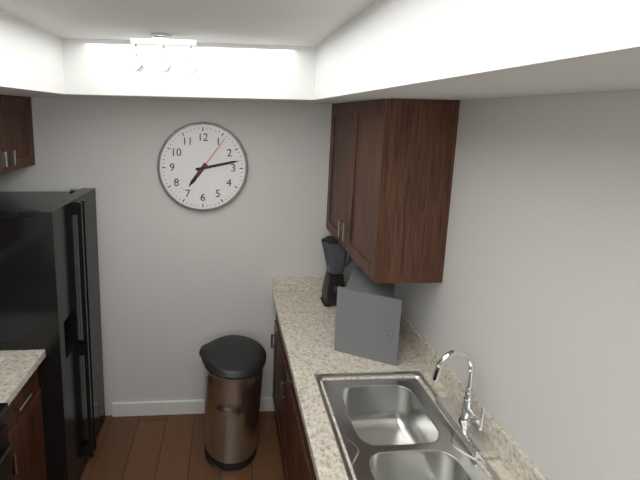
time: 7:13
